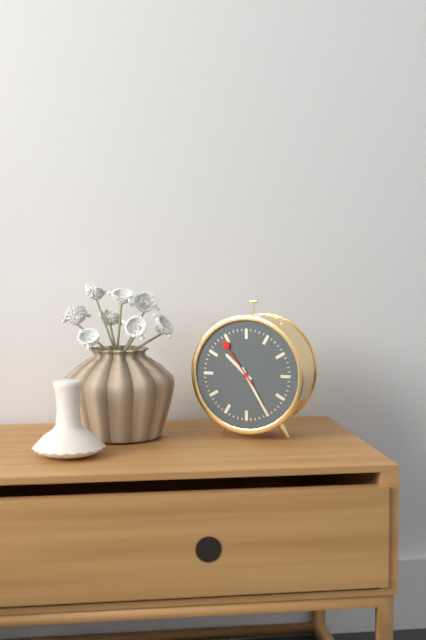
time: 10:25
